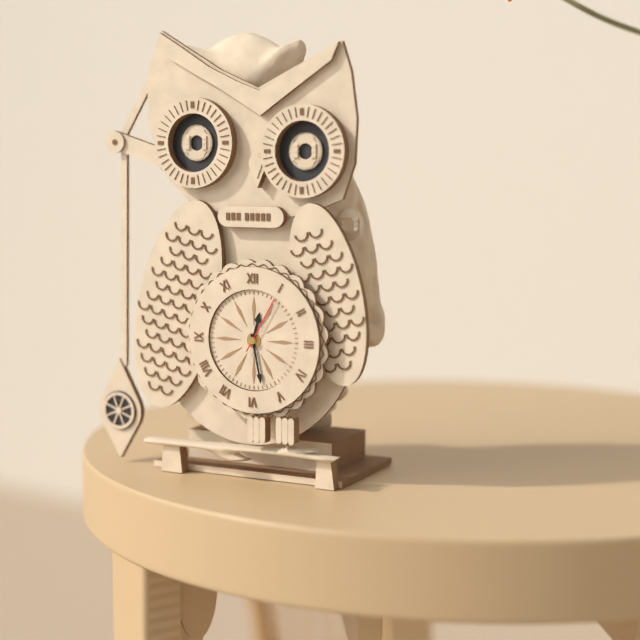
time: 12:28:05
